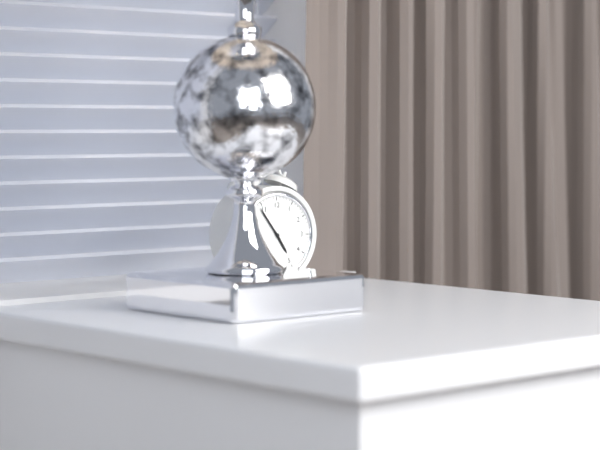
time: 4:54
